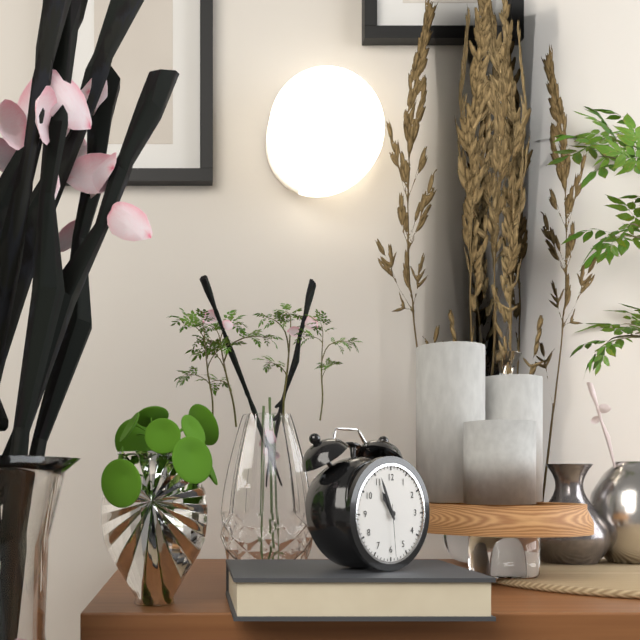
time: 10:56:29
